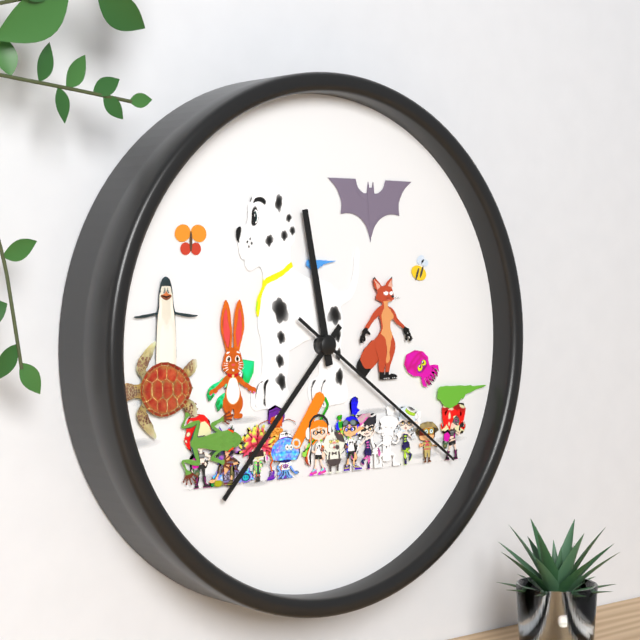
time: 11:37:21
